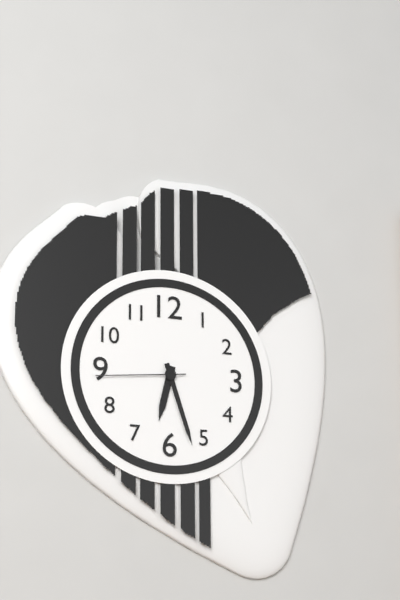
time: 6:27:44
